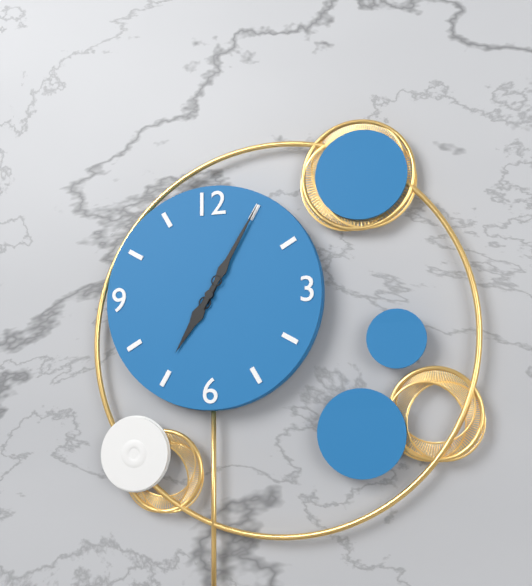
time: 7:05
